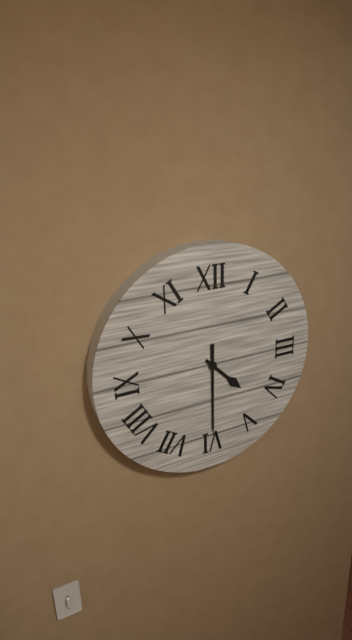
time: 4:30
